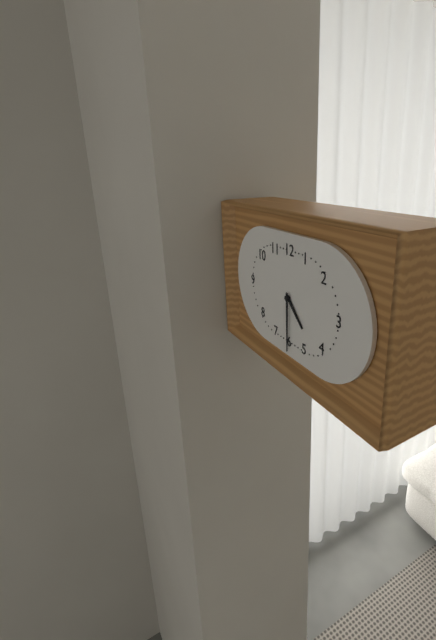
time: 4:30
